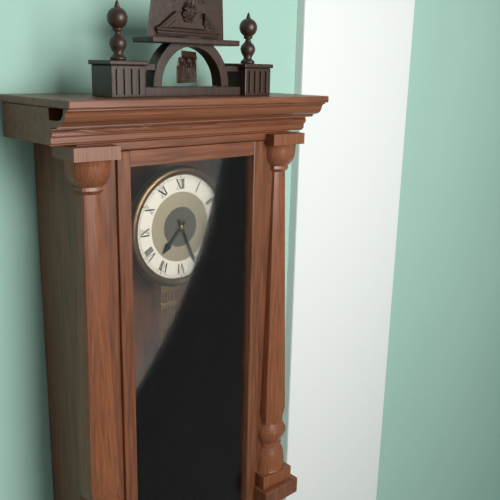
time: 7:26
